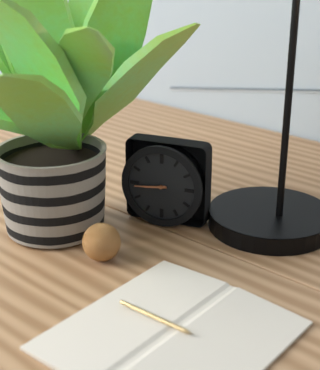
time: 8:44
